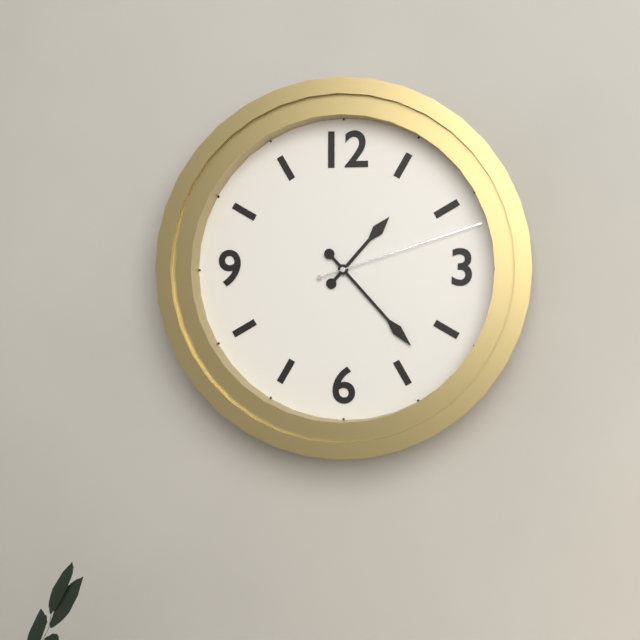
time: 1:23:12
